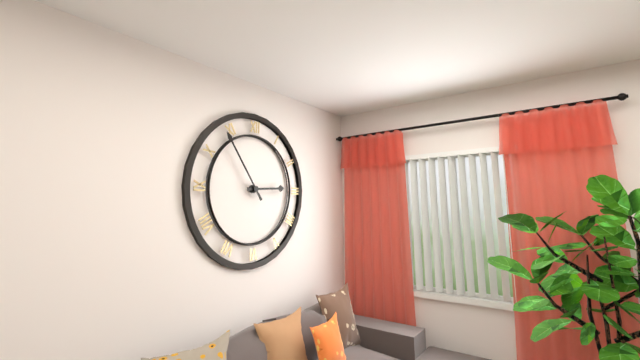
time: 2:54
